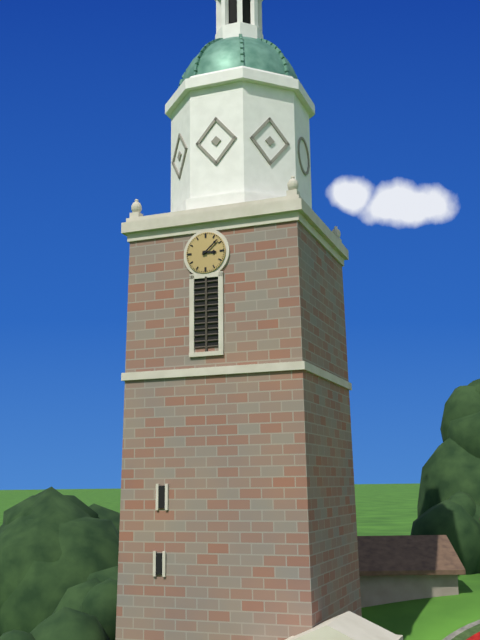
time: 3:08
